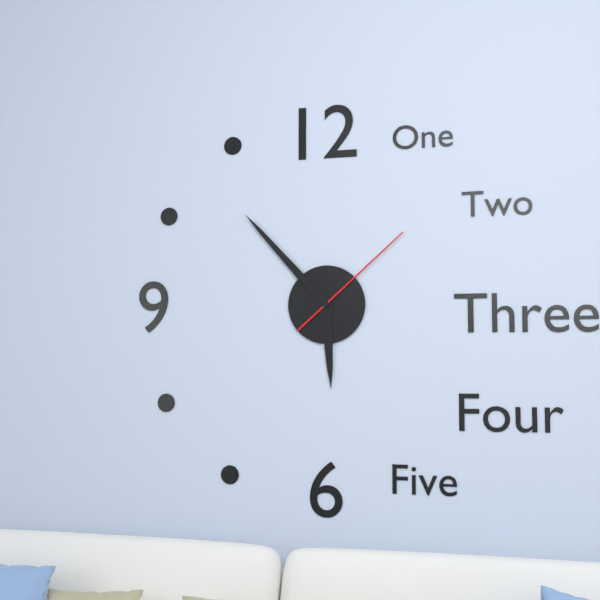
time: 5:53:08
